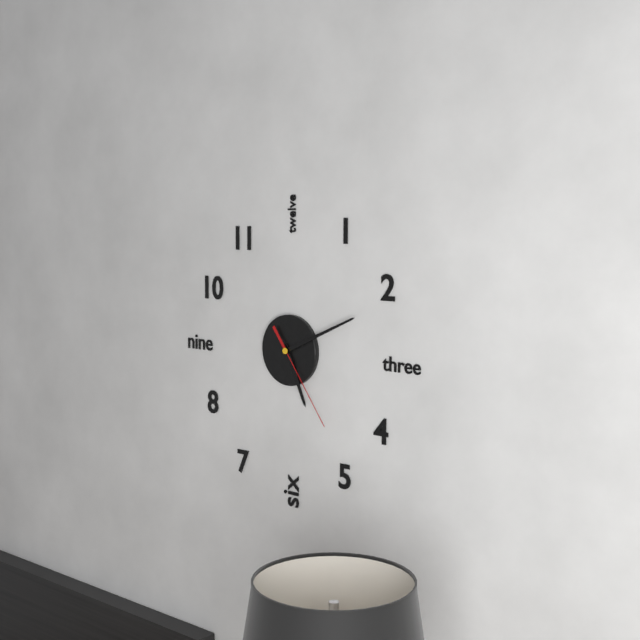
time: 5:11:24
